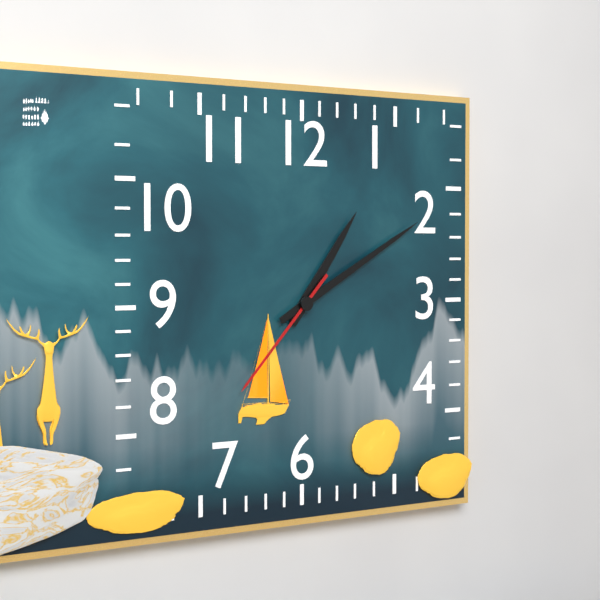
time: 1:10:37
